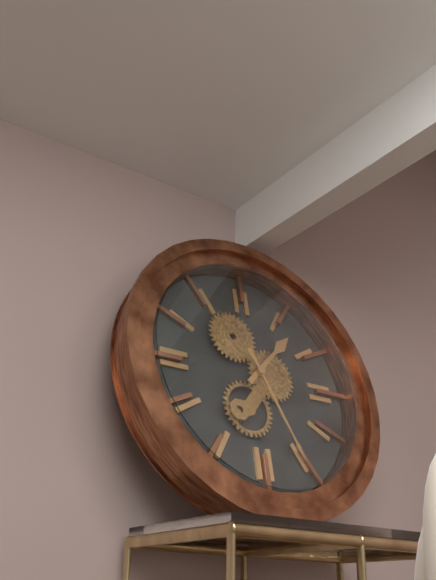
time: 1:26
